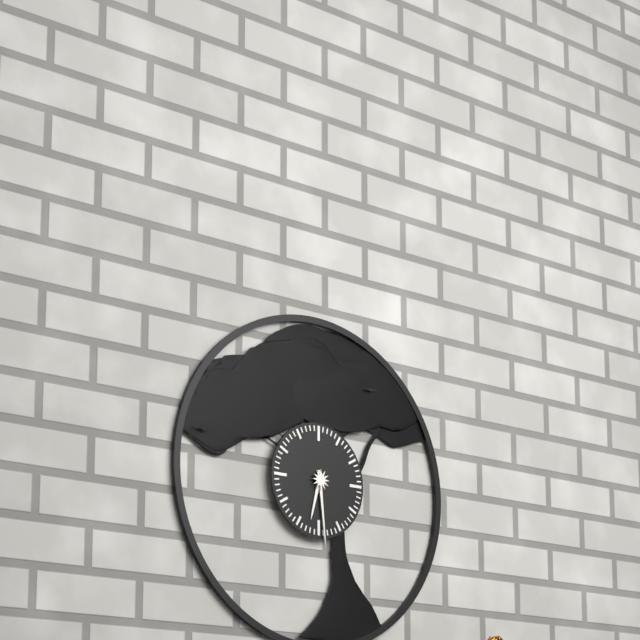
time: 6:29
